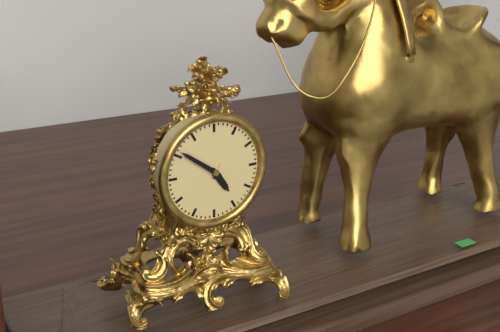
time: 4:51
